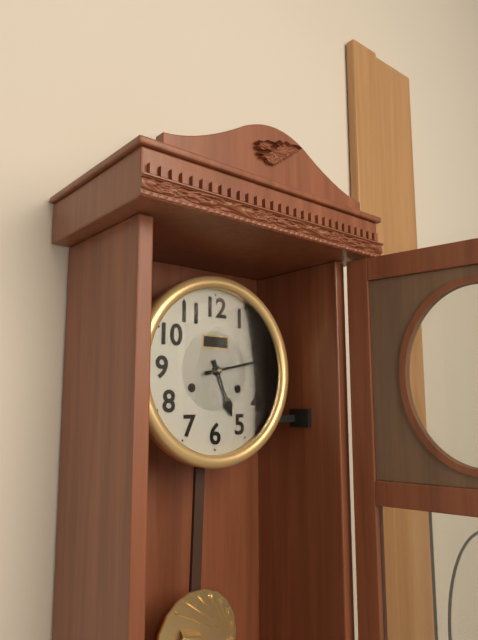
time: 5:13
